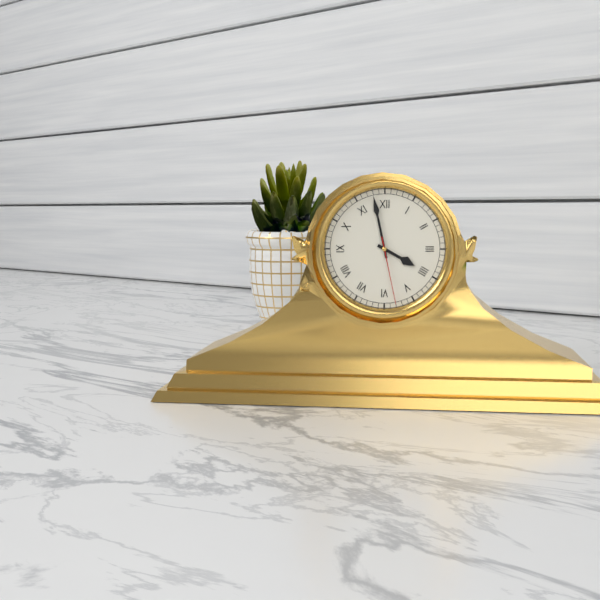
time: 3:58:28
